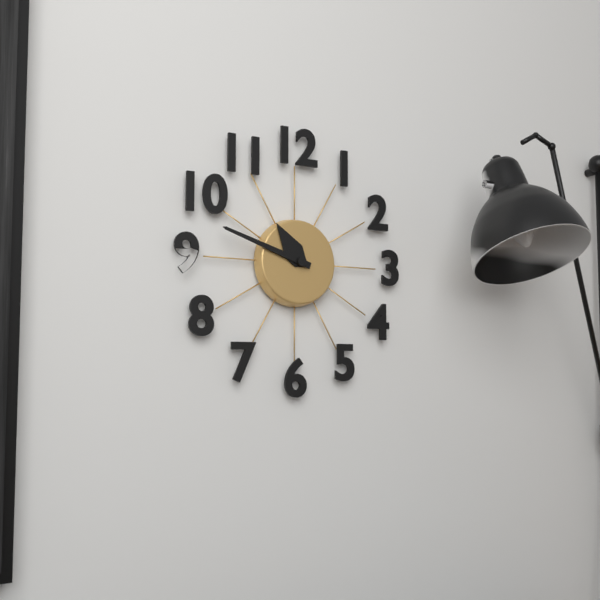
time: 10:48
